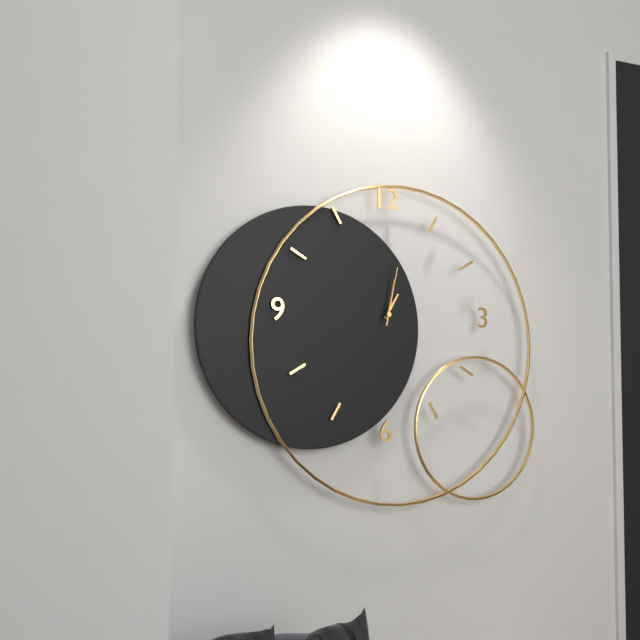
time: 1:02:02
